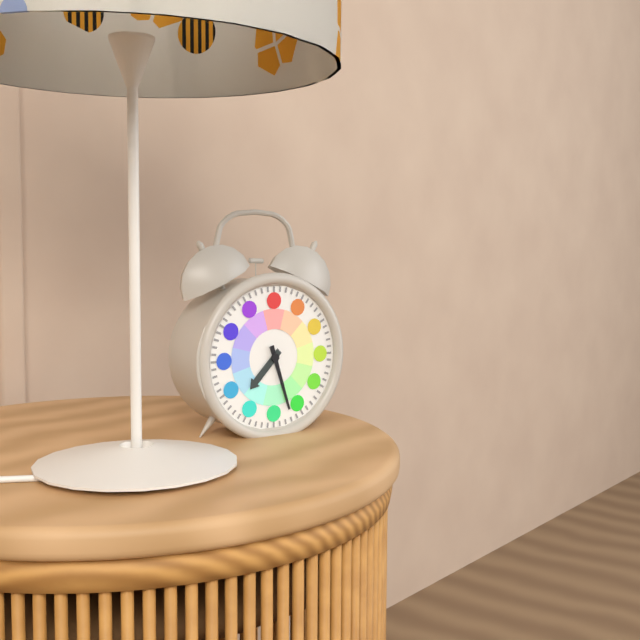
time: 7:27
